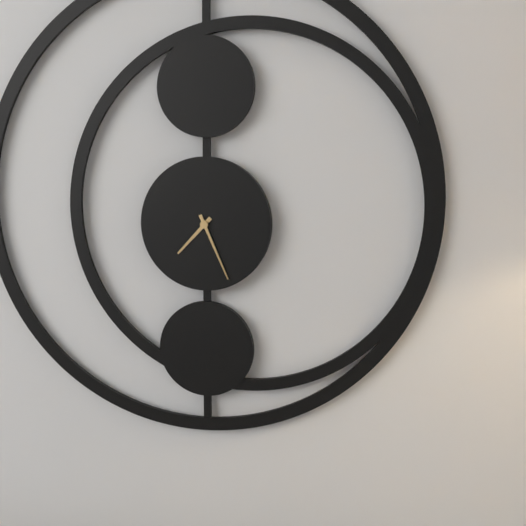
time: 7:26
